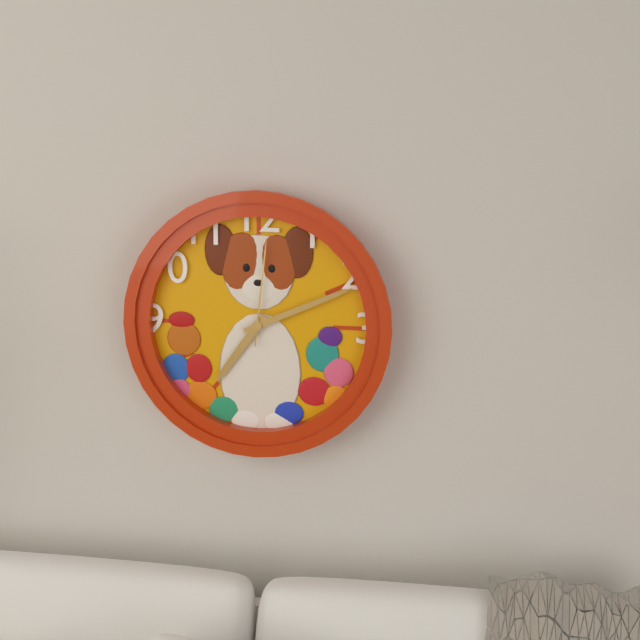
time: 7:11:01
